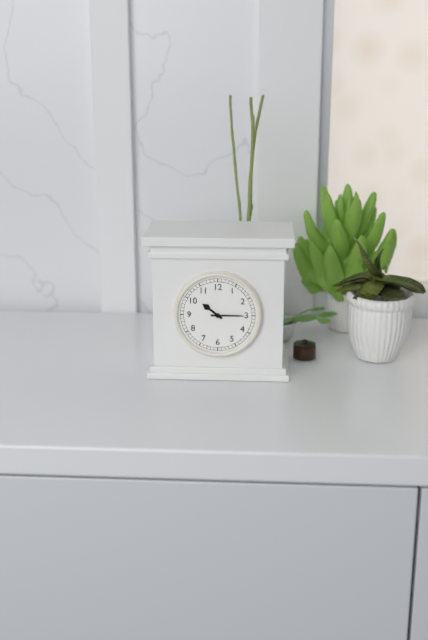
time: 10:15
